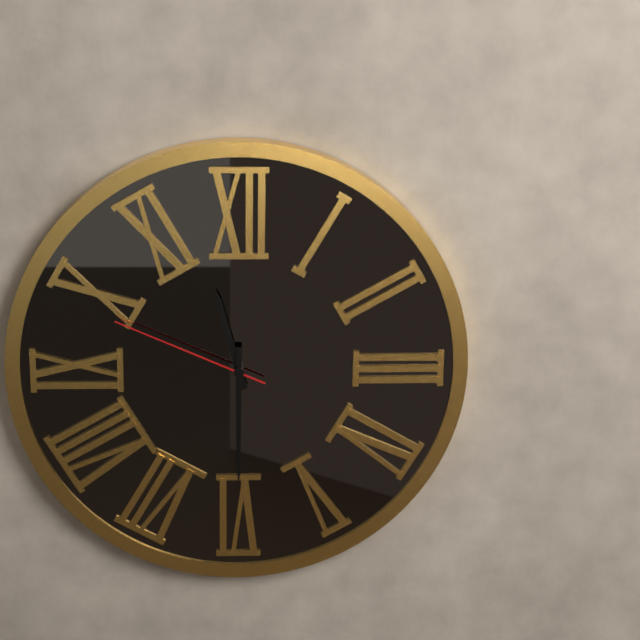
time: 11:30:49
